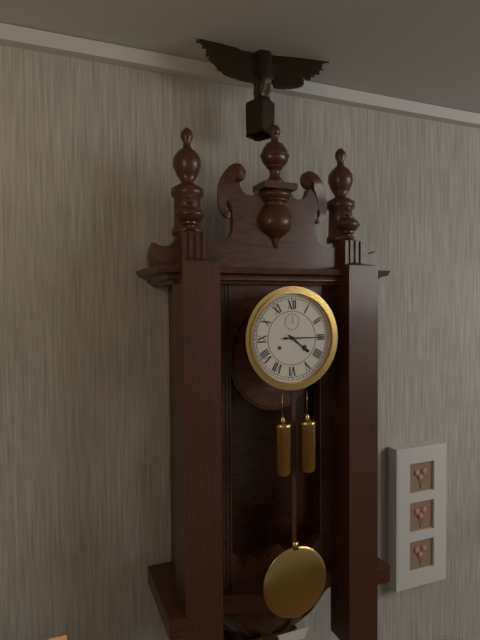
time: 4:15
